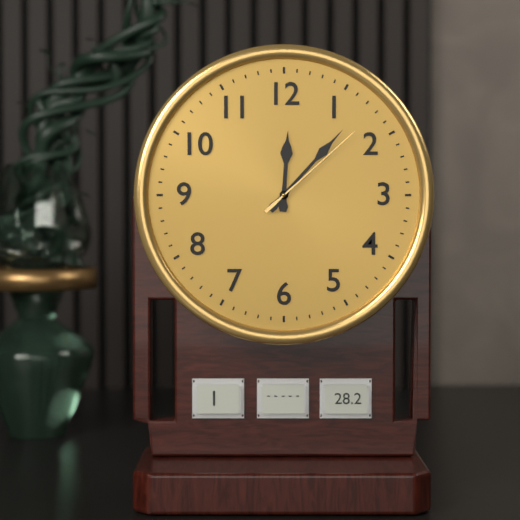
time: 12:07:08
